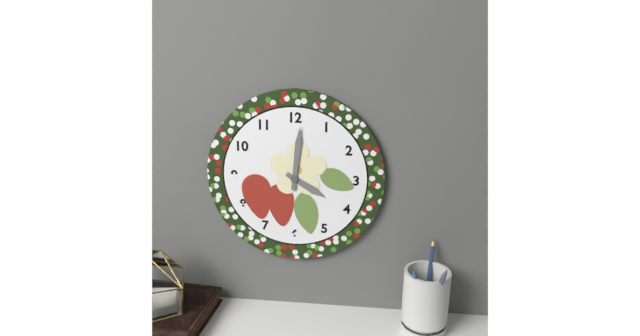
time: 4:01
